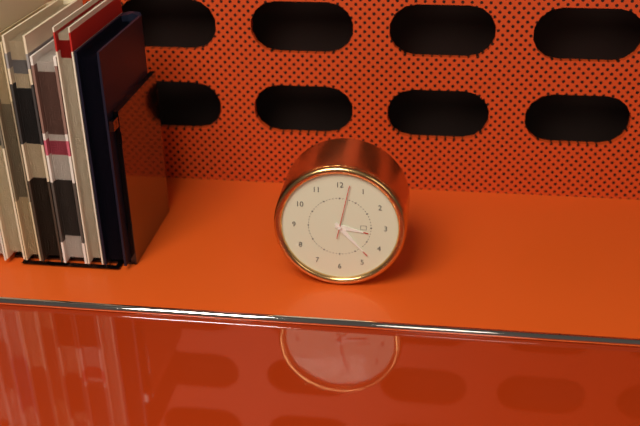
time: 3:23:02
